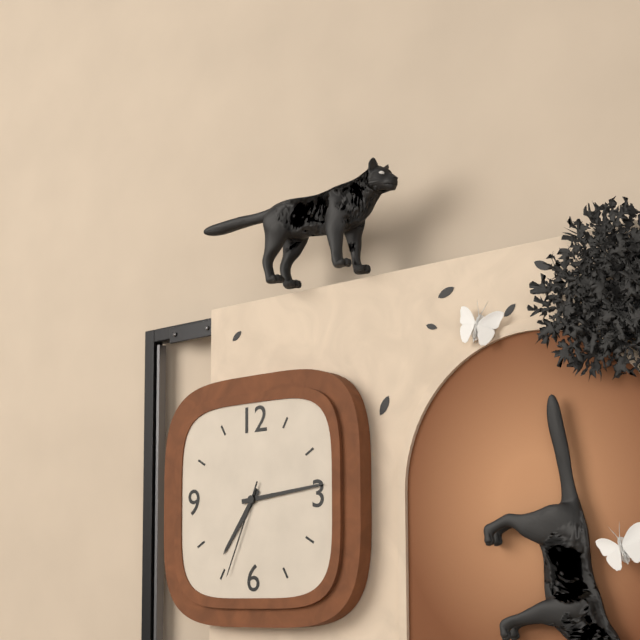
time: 7:14:34
